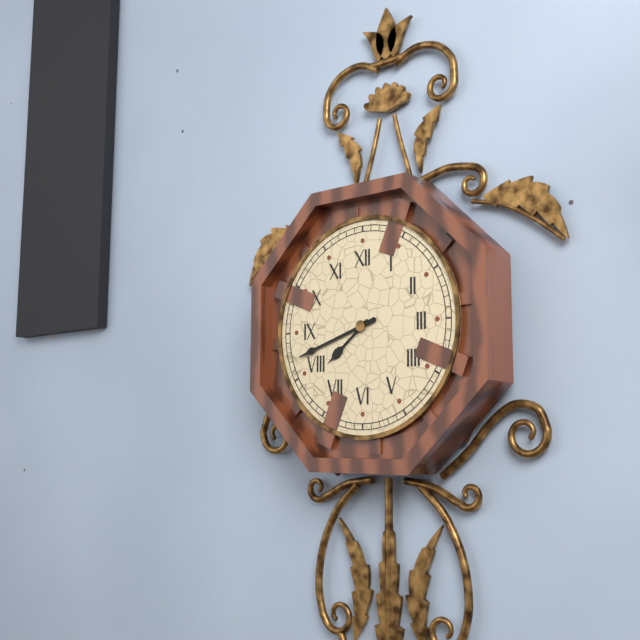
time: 7:42
